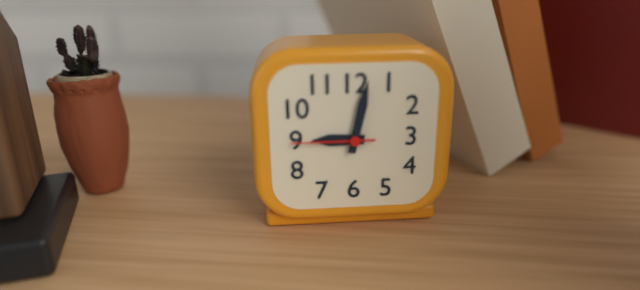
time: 9:02:45
